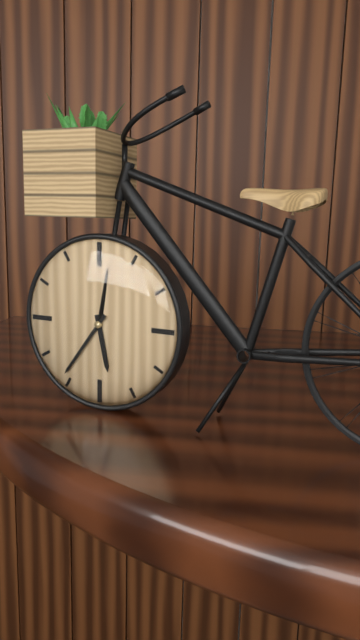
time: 5:36
